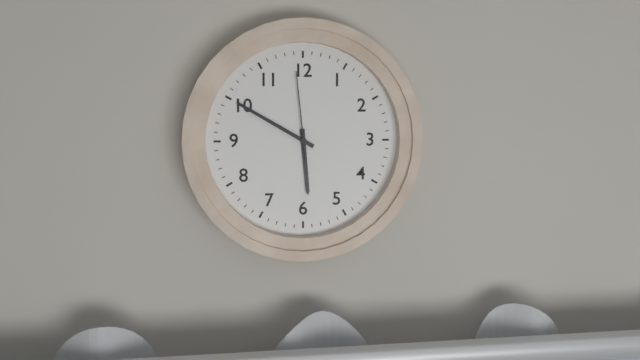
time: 5:50:59
